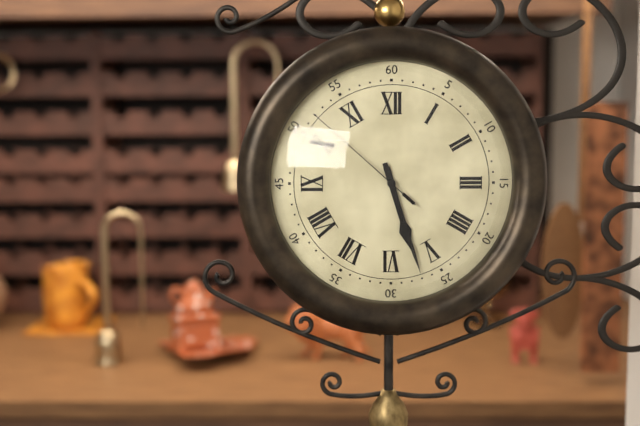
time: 5:27:52
